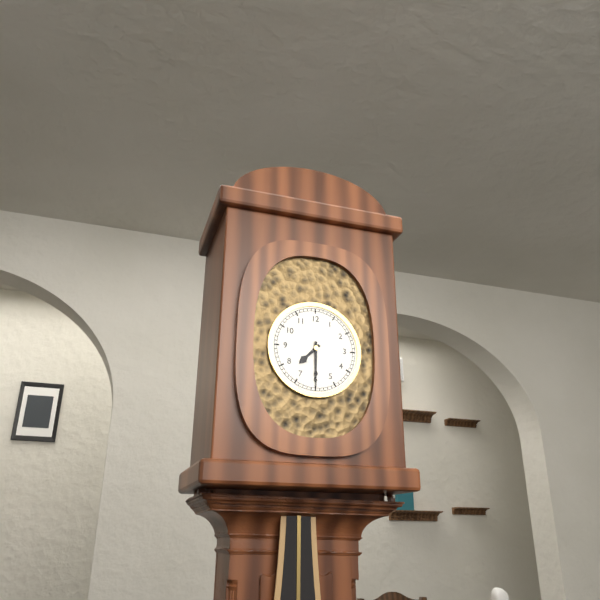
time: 7:30
